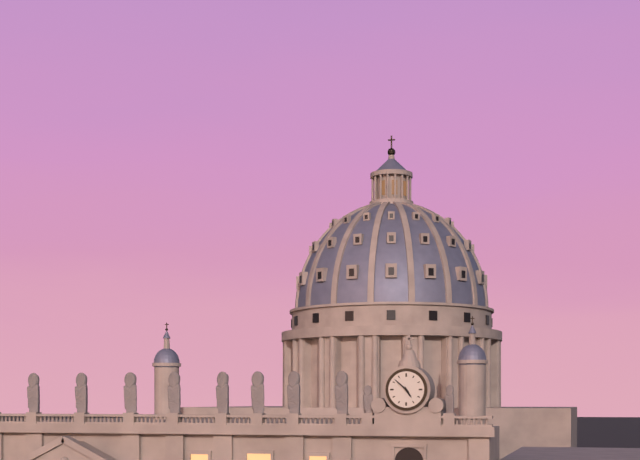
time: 4:52
